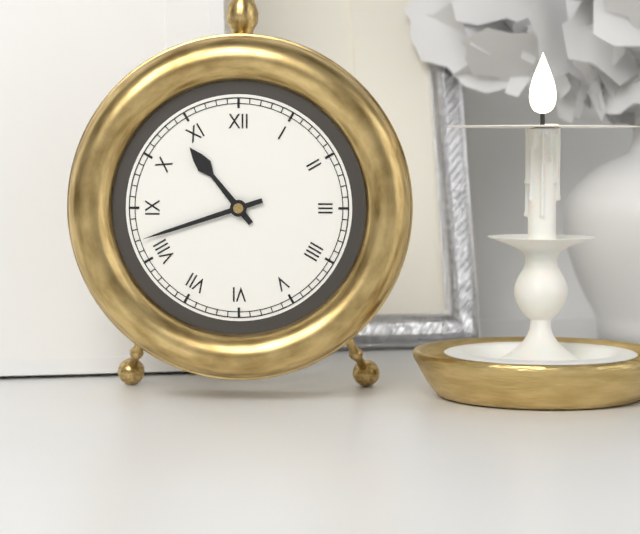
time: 10:42
